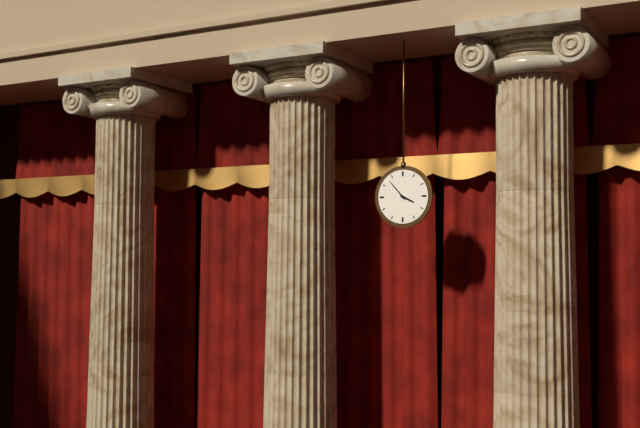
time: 3:53
